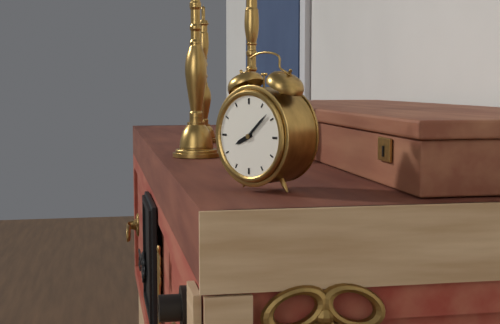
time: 8:08
